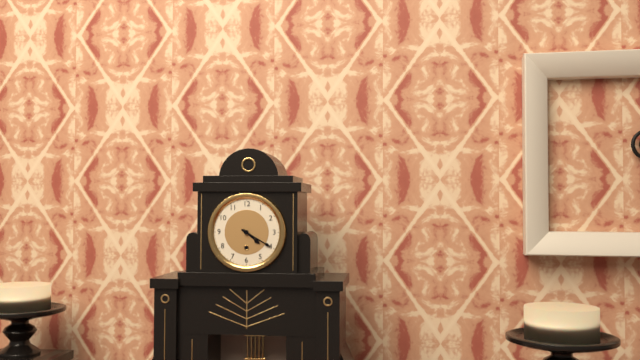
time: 4:20
